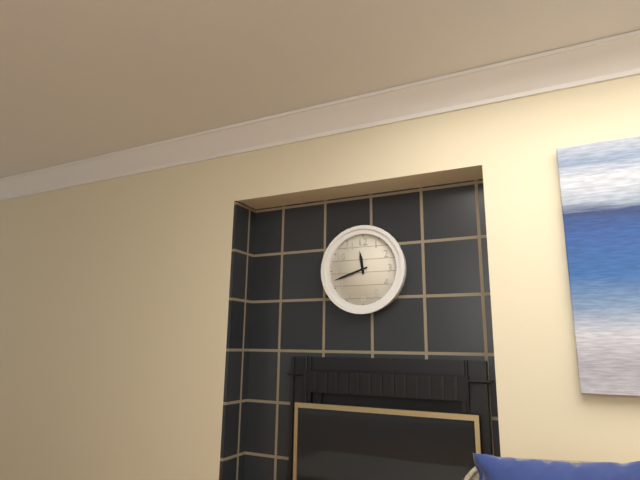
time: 11:42
